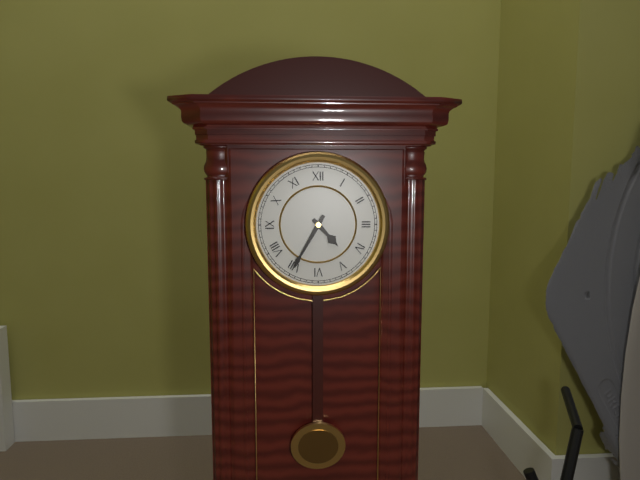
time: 4:35
